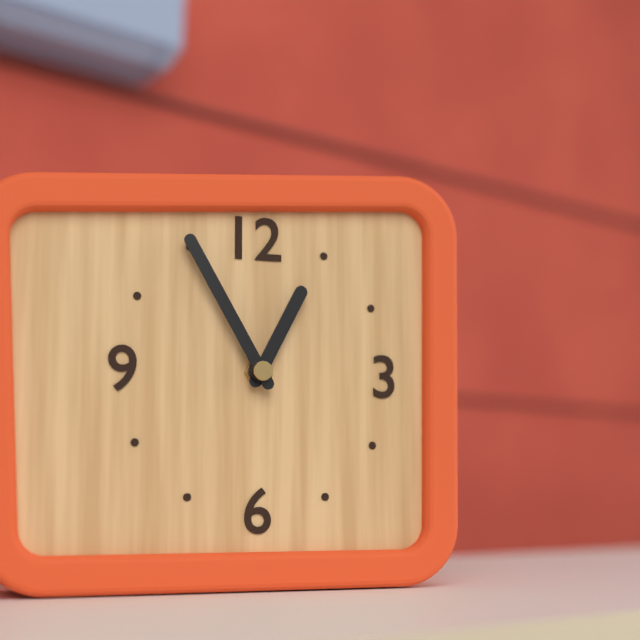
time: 12:55
